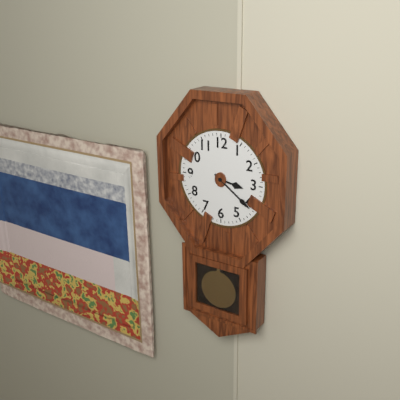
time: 3:21
